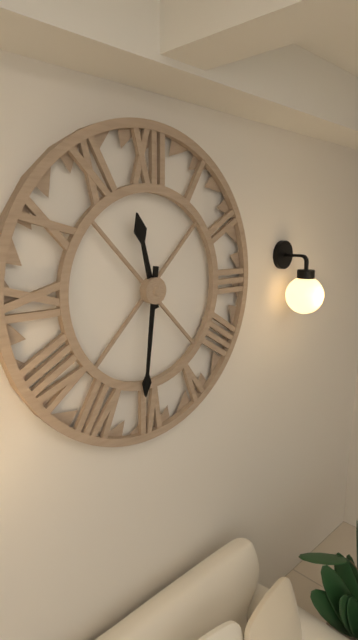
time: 11:31
